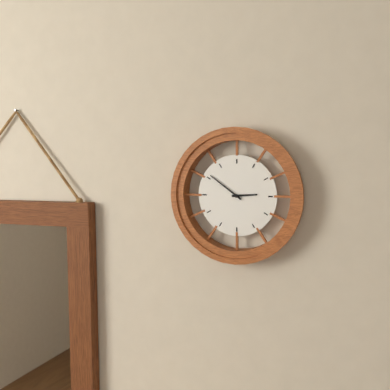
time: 2:51
